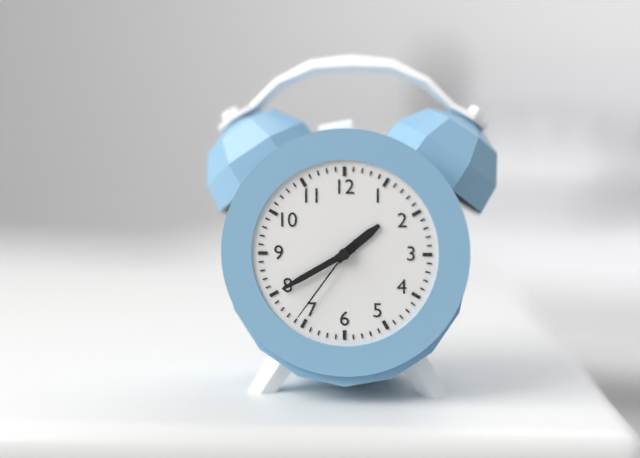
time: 1:40:36
